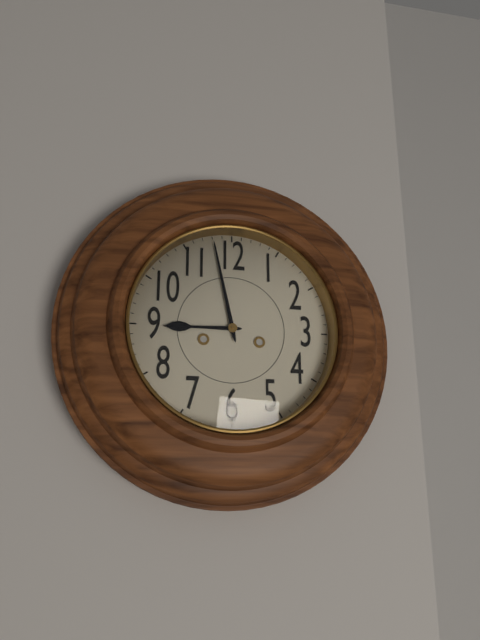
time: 8:58
